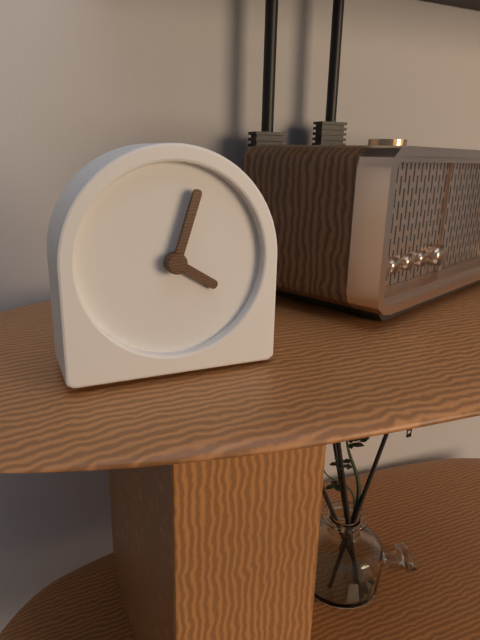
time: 4:03
